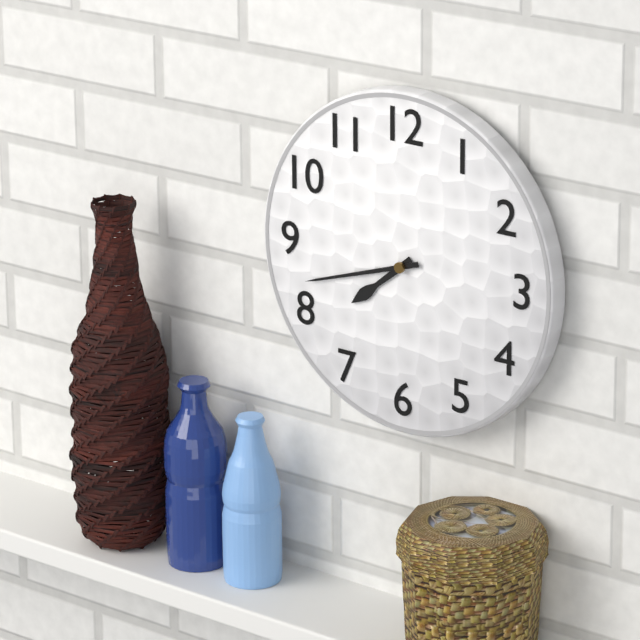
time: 7:42
